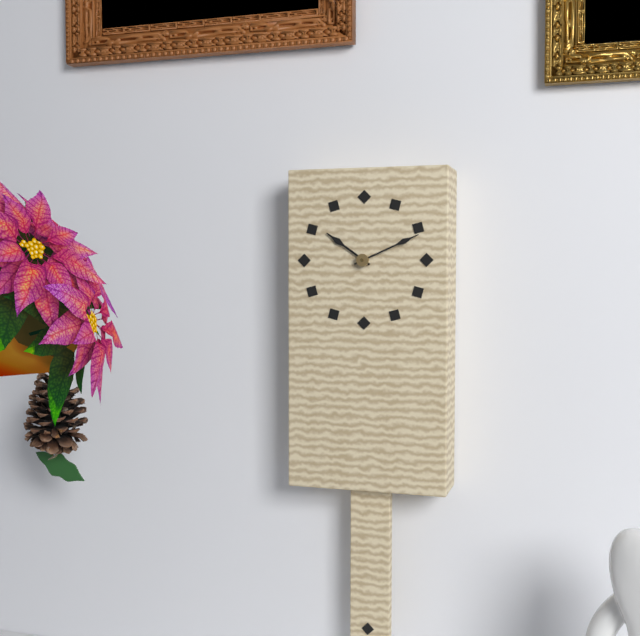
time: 10:11
